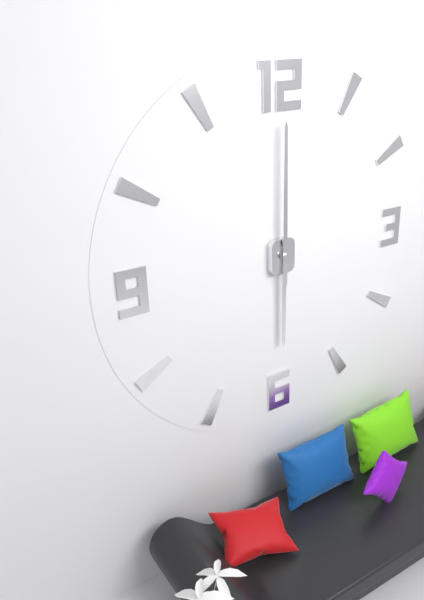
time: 6:00
